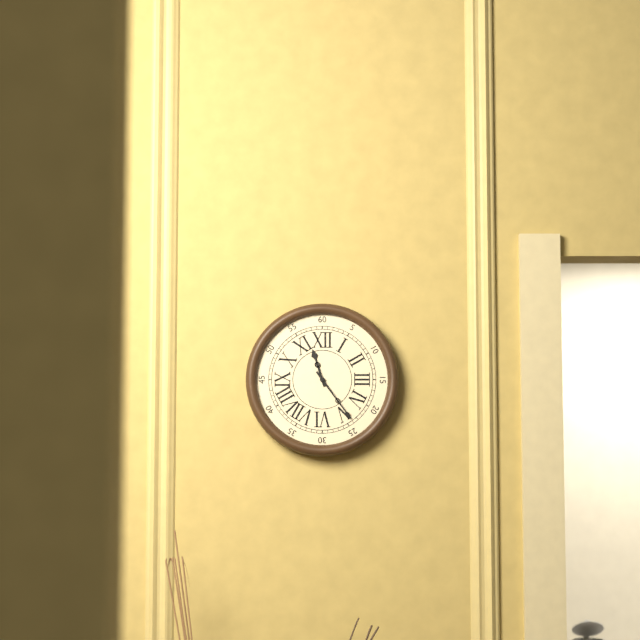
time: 11:24
